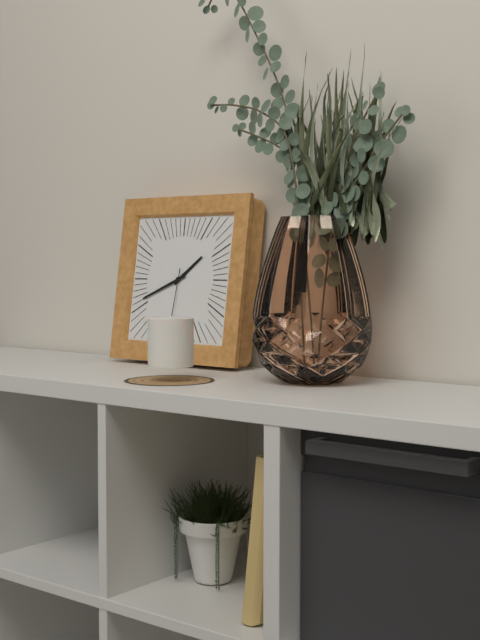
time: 1:41:31
